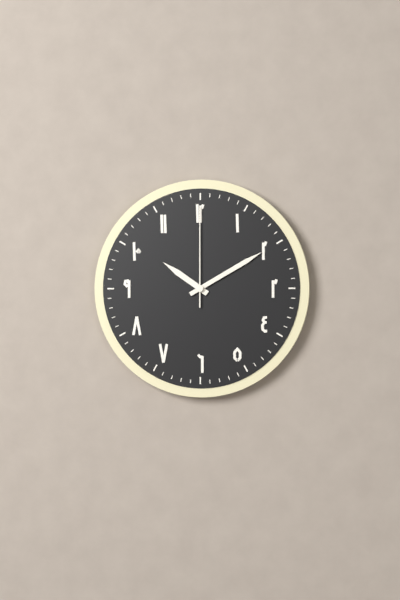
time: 10:10:00
